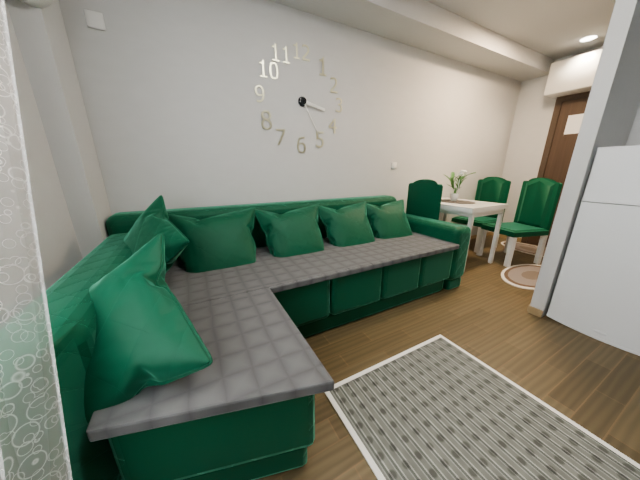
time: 3:25
